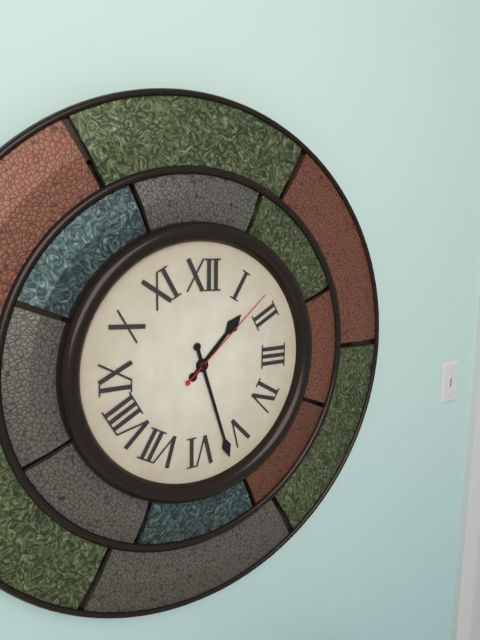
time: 1:27:08
